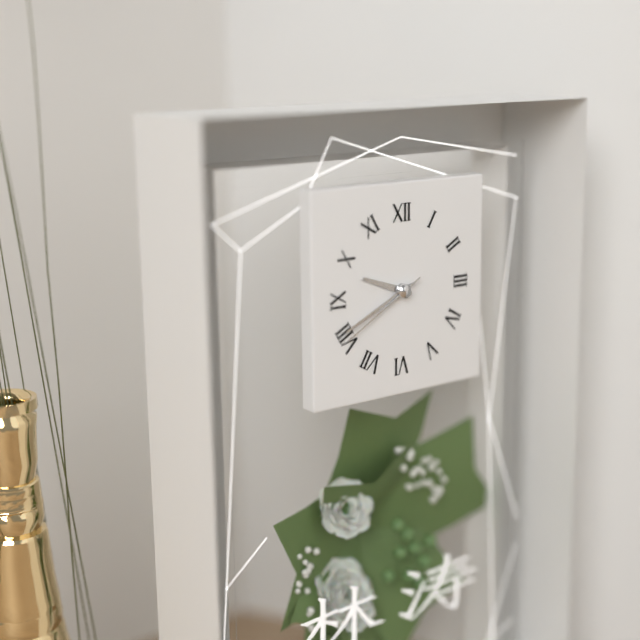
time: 9:41:40
